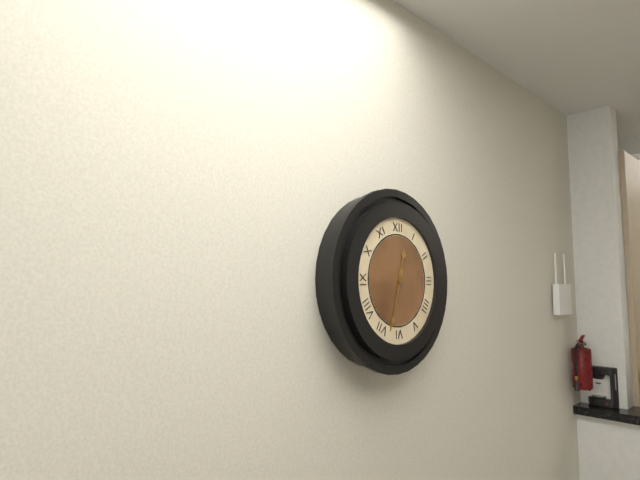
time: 12:33
